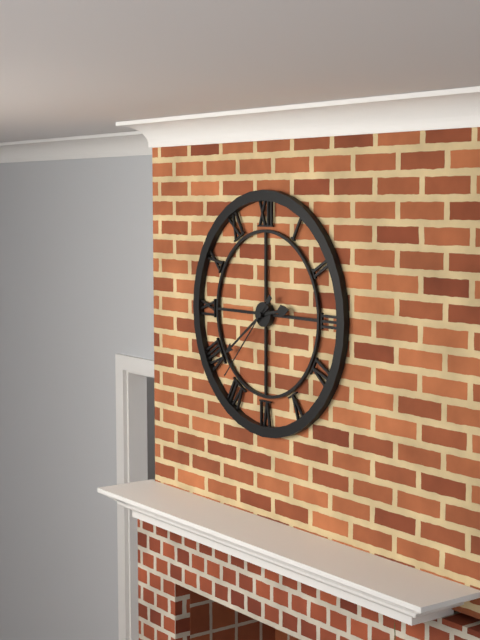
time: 2:39:37
